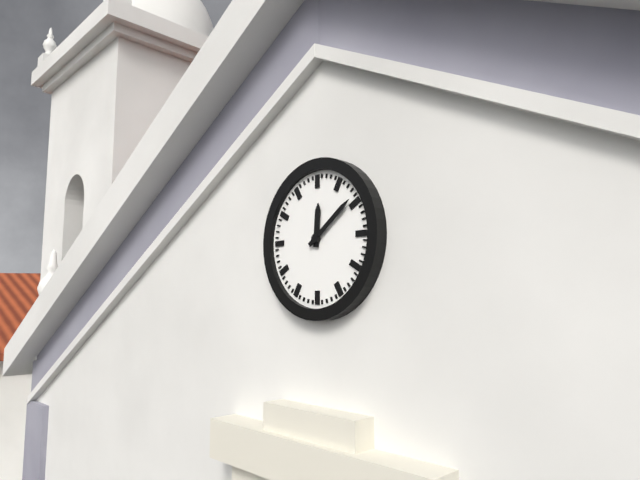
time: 12:09
